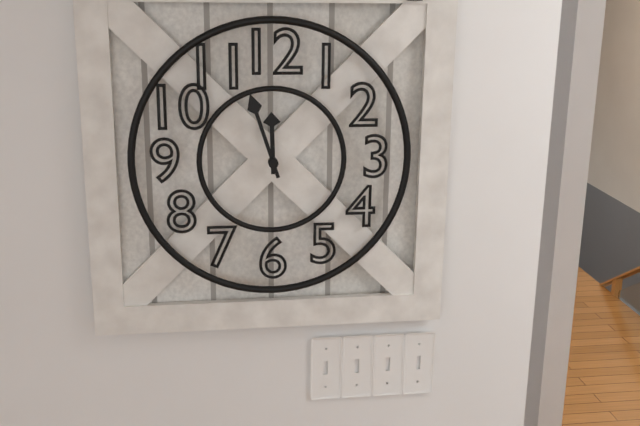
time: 11:57
